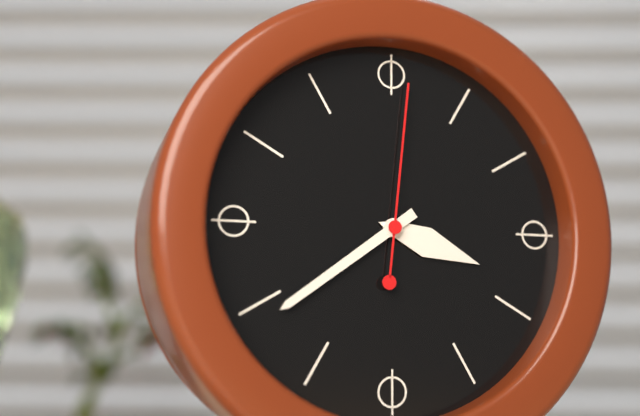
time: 3:39:01
